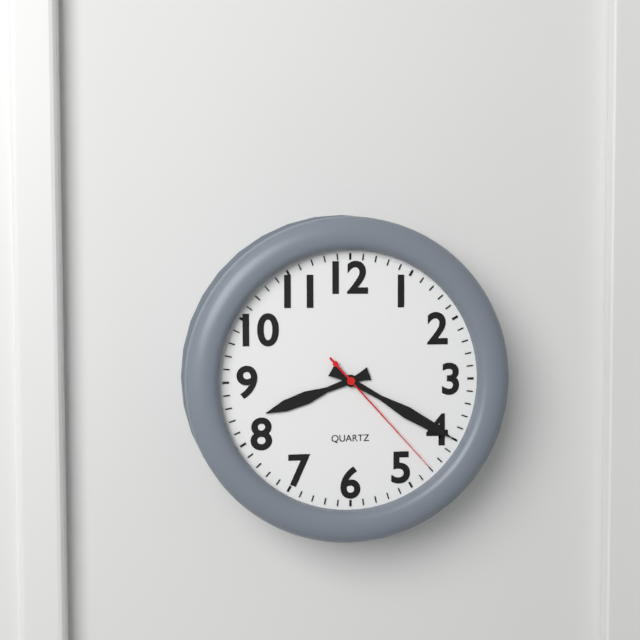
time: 8:20:23
